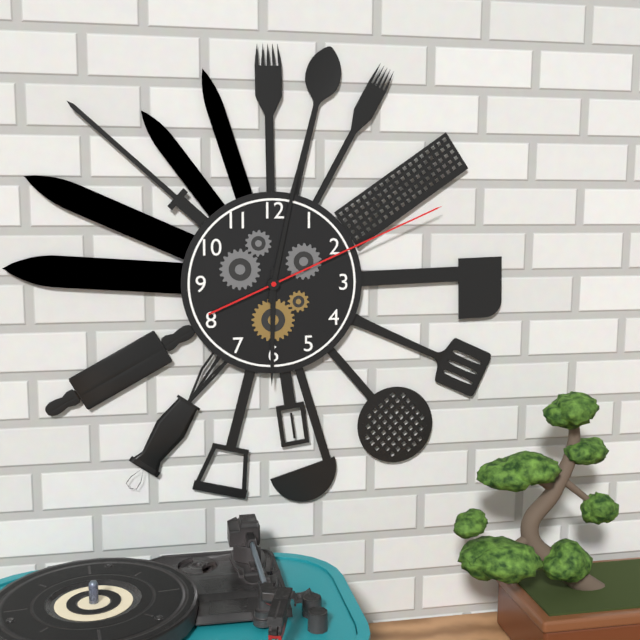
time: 6:02:11
